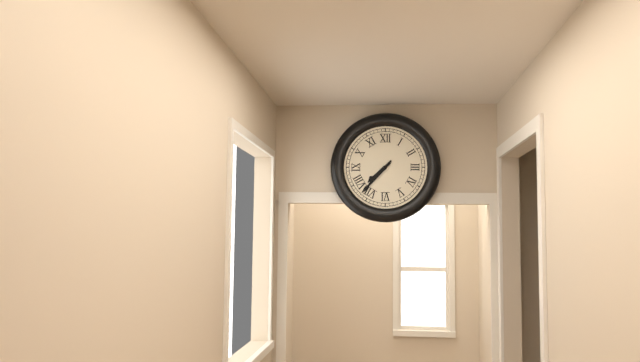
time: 7:37
